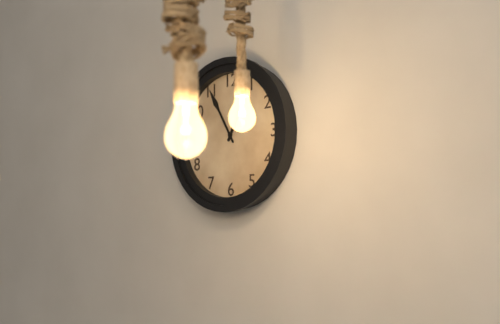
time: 12:55
